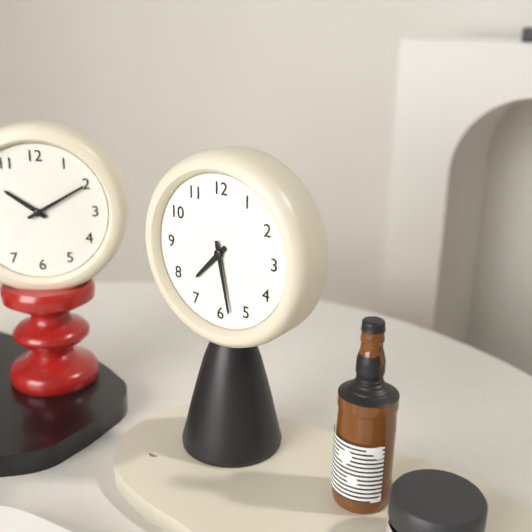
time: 7:28
